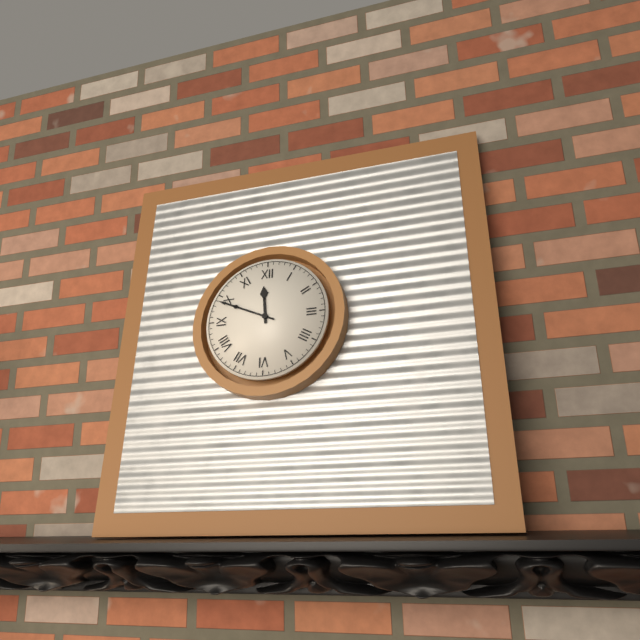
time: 11:49
